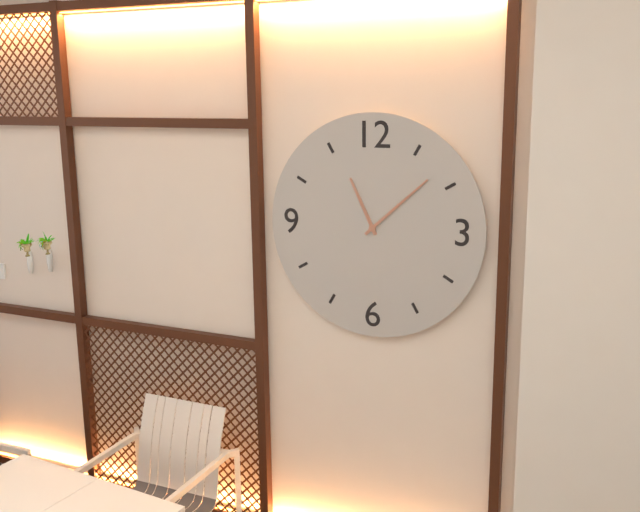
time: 11:08
